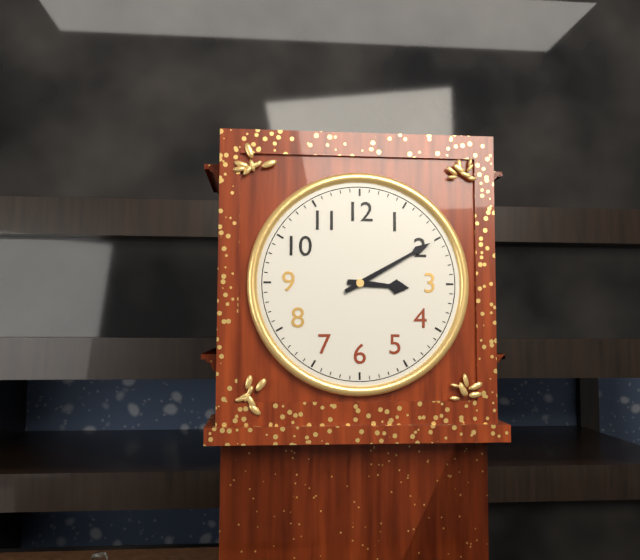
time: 3:10
